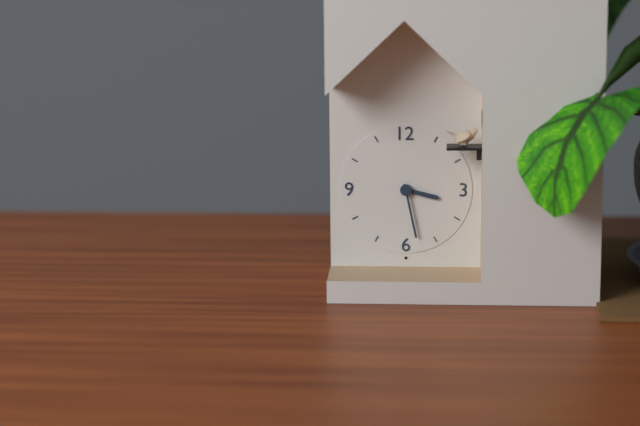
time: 3:28
